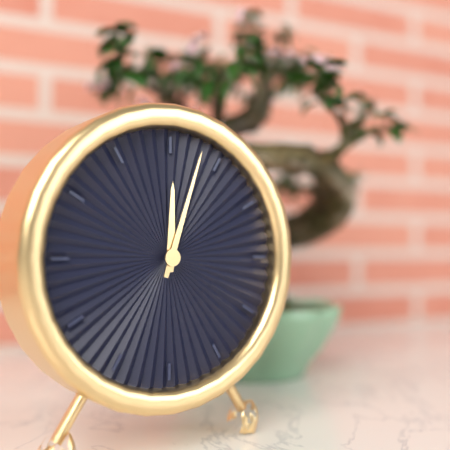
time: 12:03
